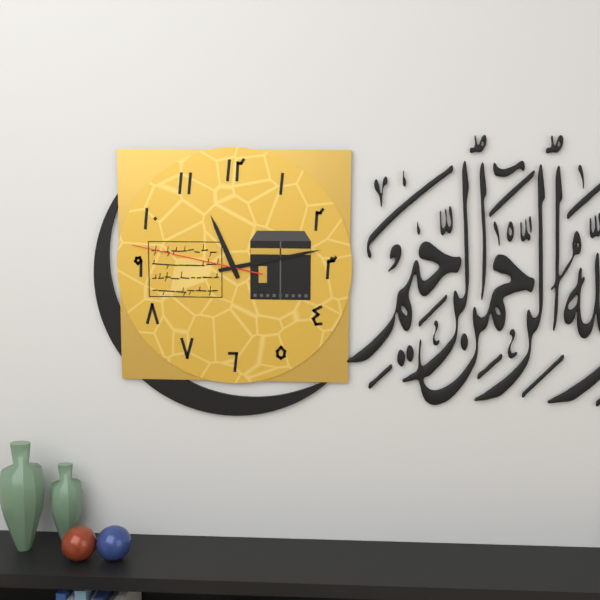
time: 11:13:47
